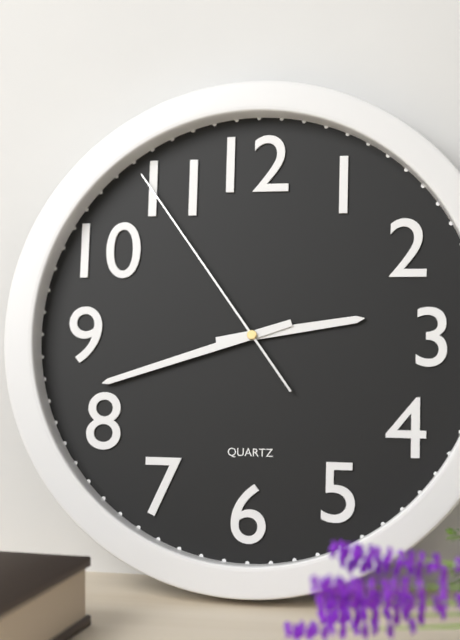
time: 2:42:54
